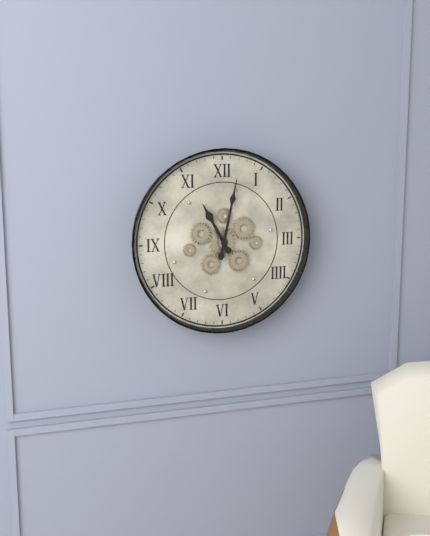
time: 11:02
